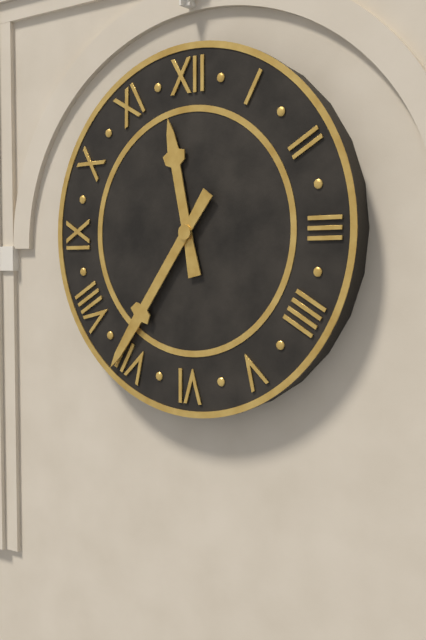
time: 11:36
